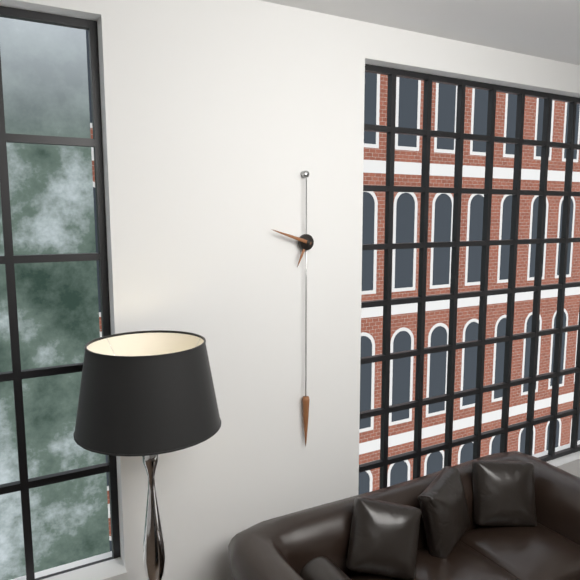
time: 6:48
